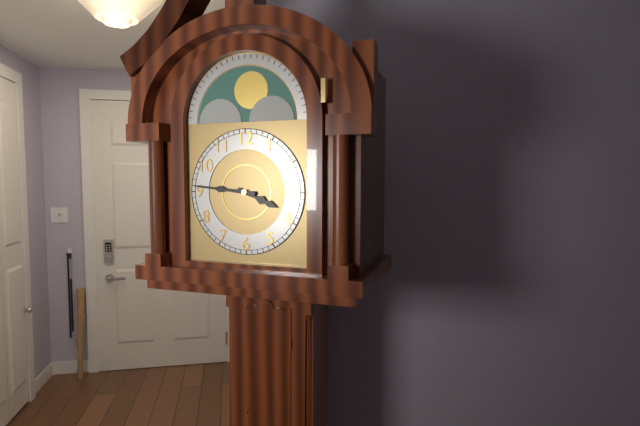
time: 3:46
